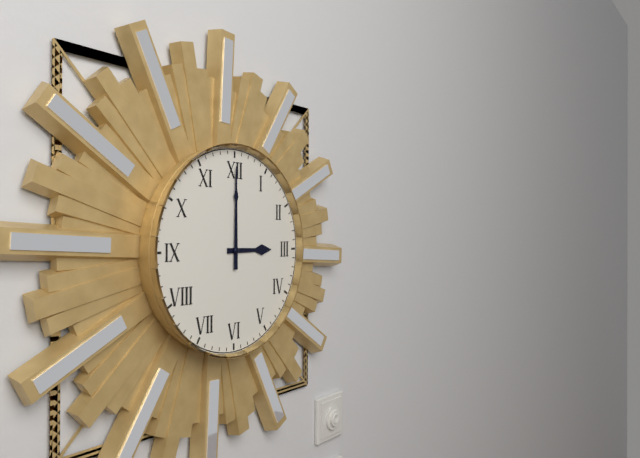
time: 3:00
